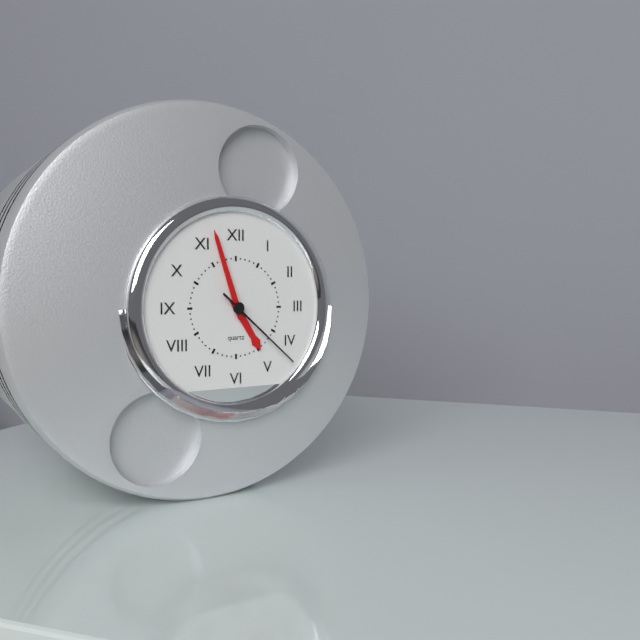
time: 4:57:22
